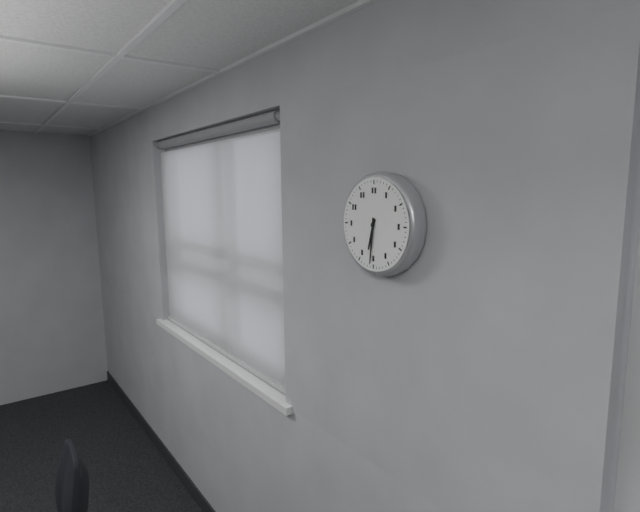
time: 6:31
